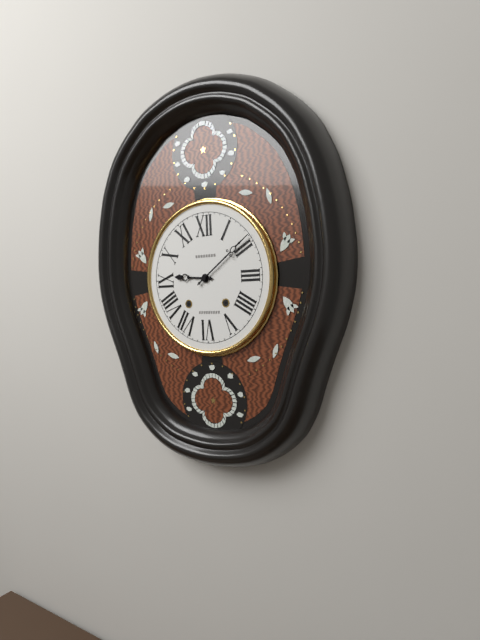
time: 9:09
